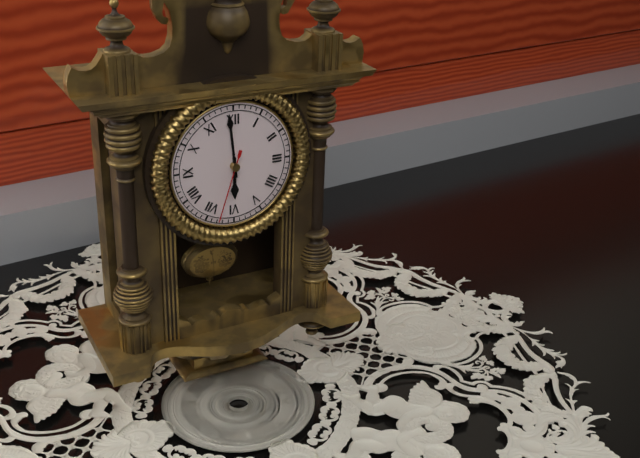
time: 5:59:33
